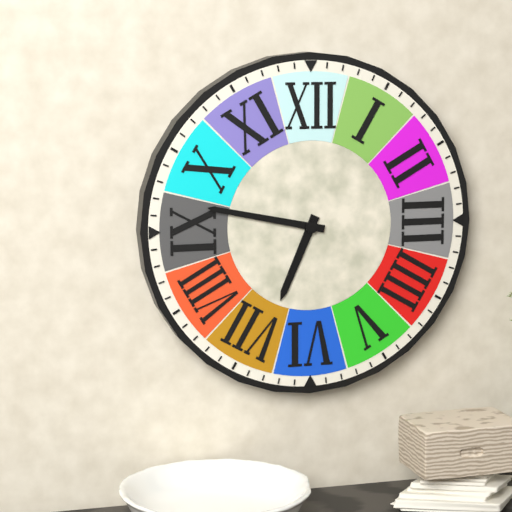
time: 6:47
